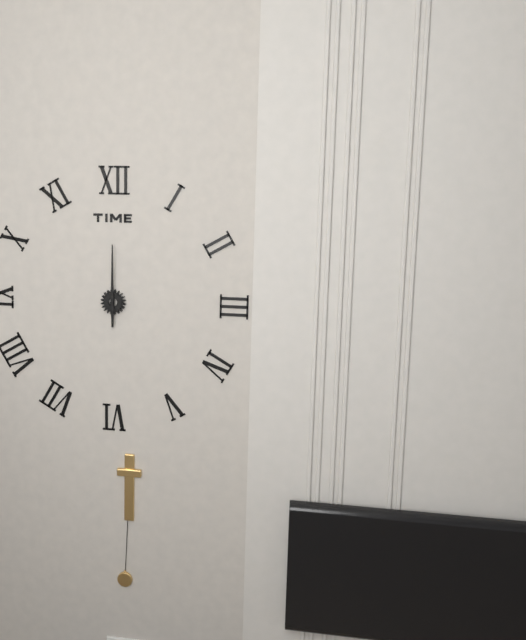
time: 6:00
